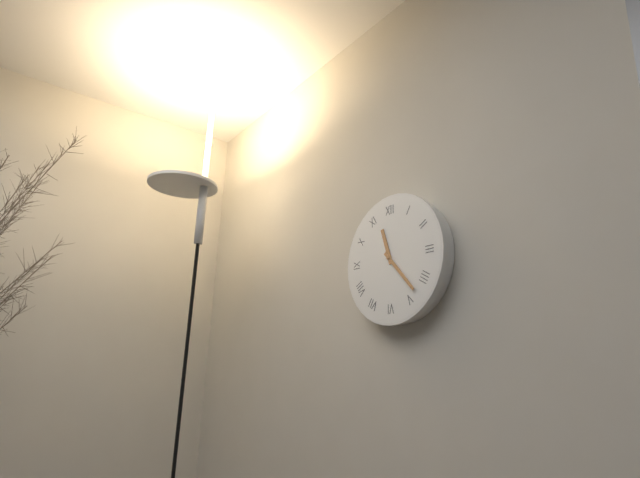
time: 11:23
